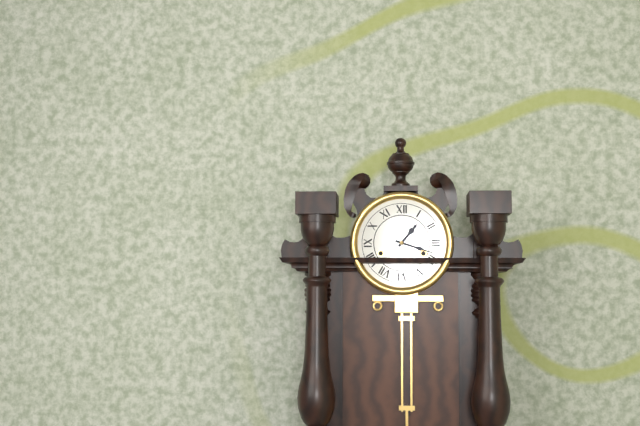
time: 1:18
